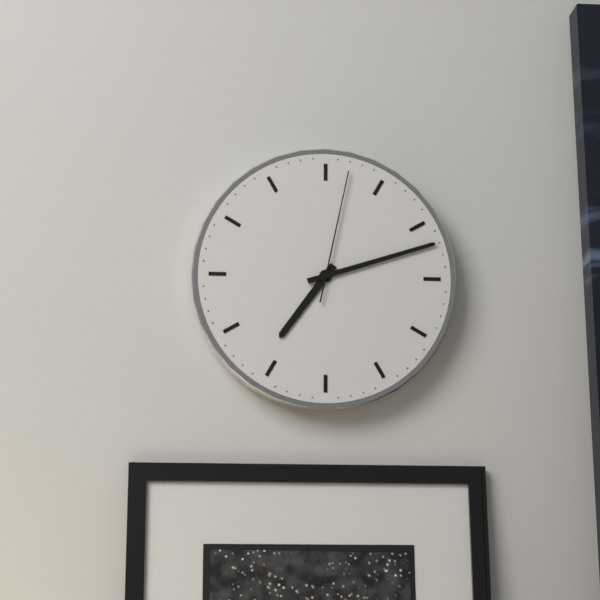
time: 7:12:02
